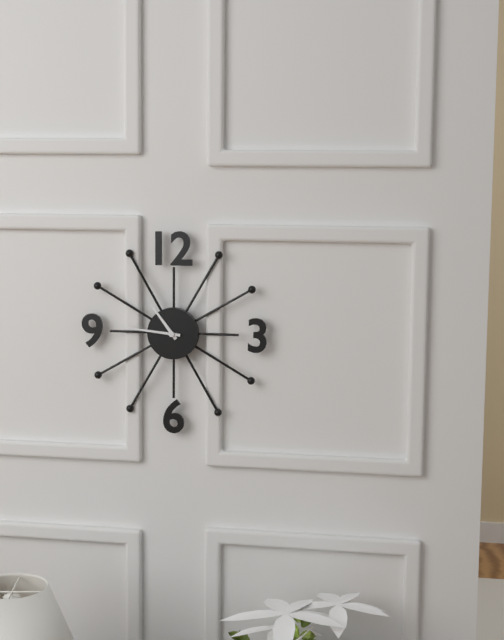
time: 10:46
